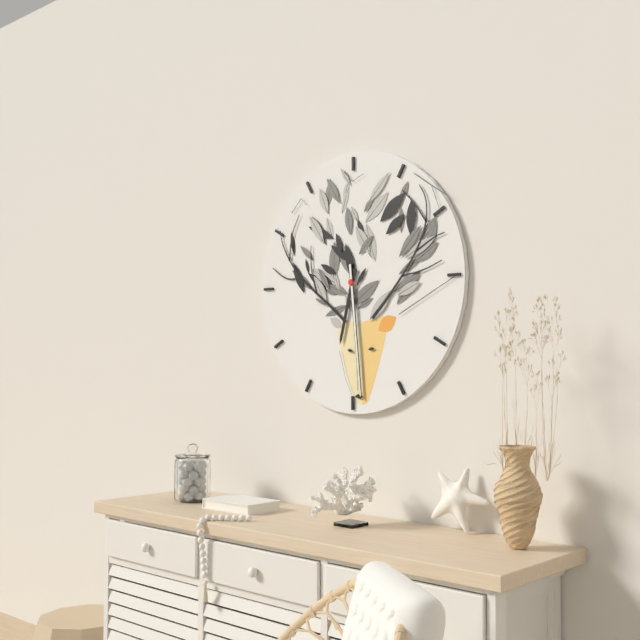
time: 6:29
